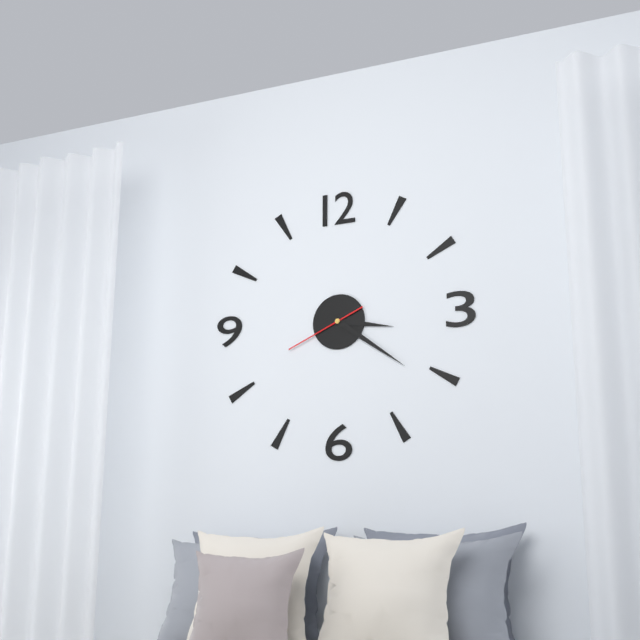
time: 3:21:41
